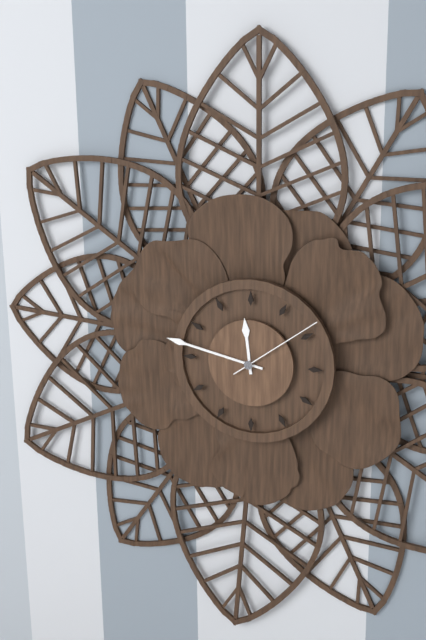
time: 11:47:09
